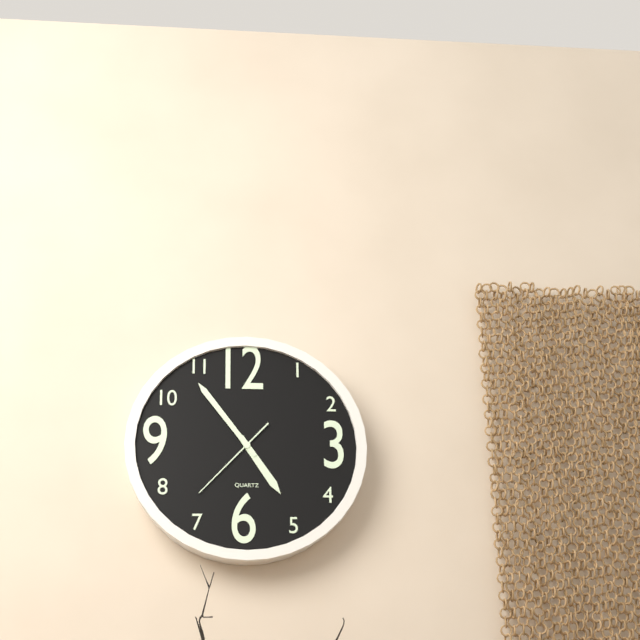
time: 4:54:37
